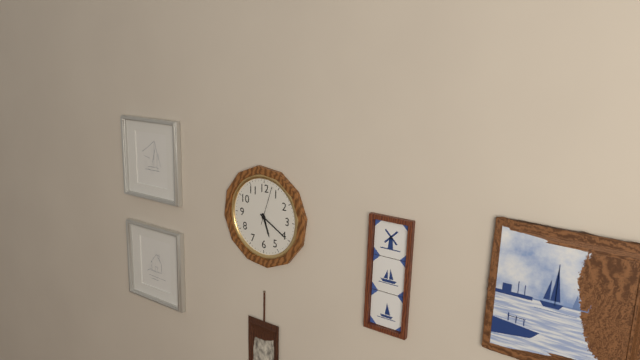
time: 5:20
